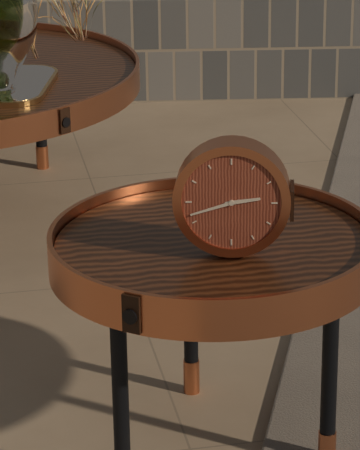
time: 2:42
